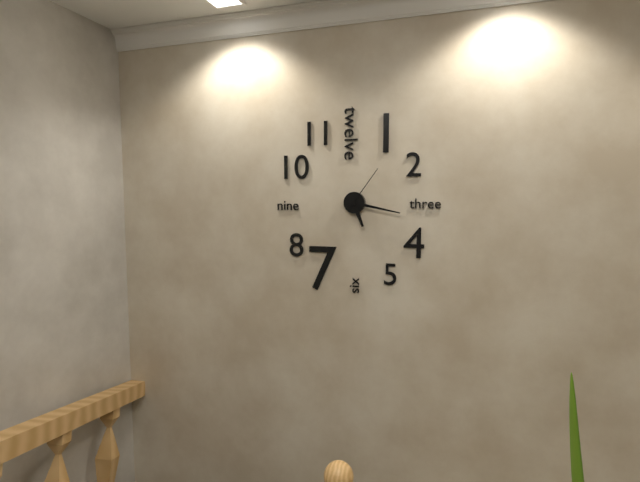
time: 5:17:06
